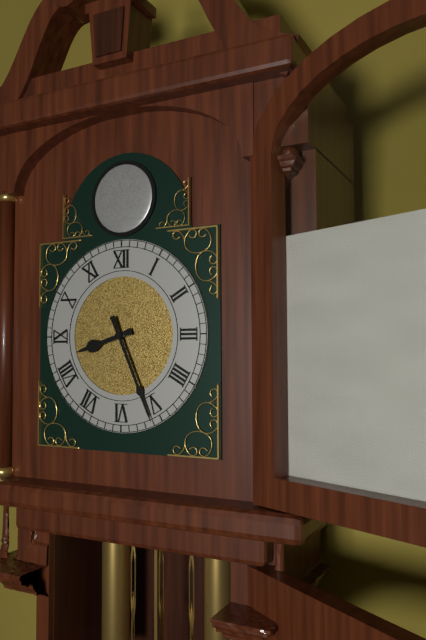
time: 8:26
